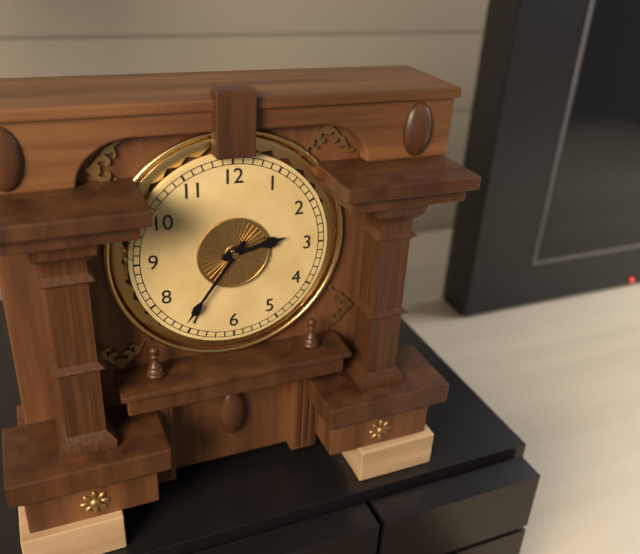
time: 2:36
